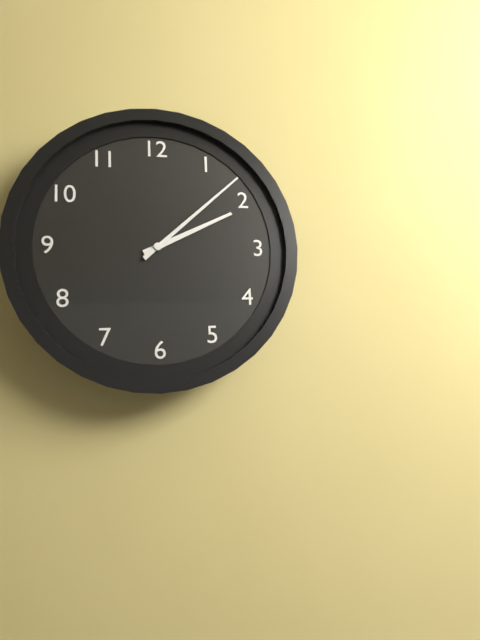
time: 2:08
